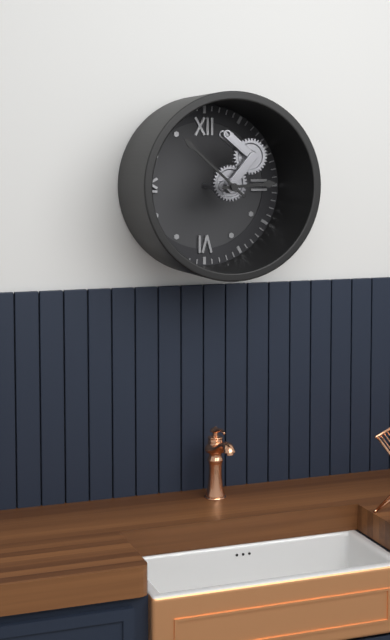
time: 2:52
